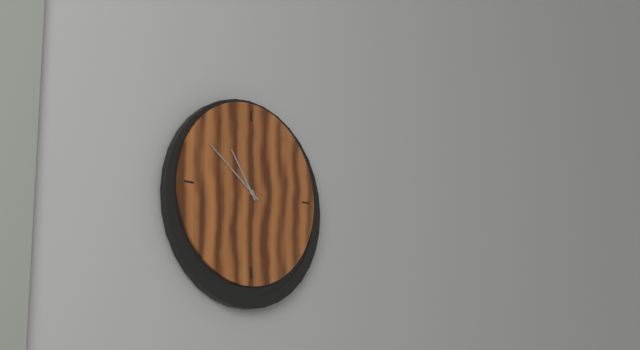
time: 10:51
